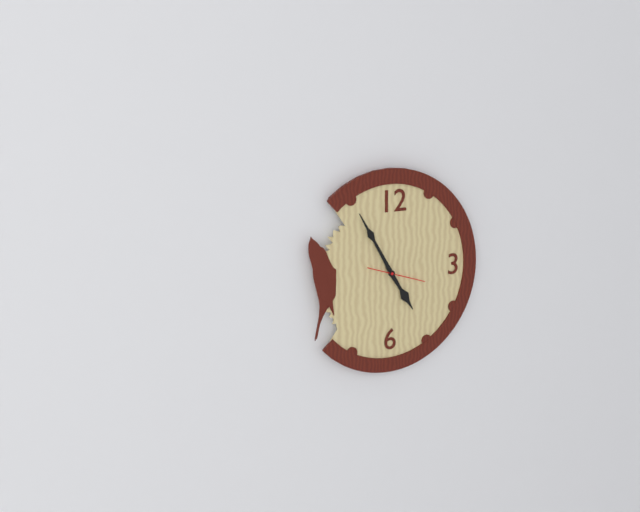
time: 4:55
